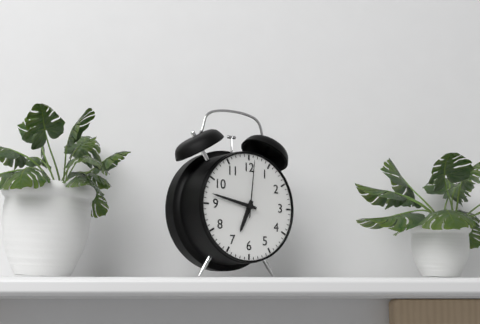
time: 6:47:01
